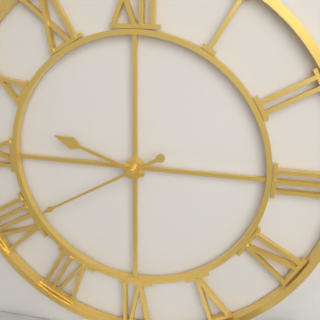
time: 9:40
